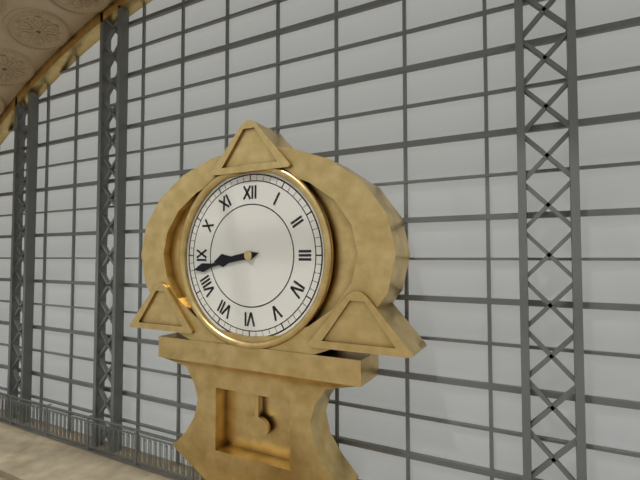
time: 8:43
